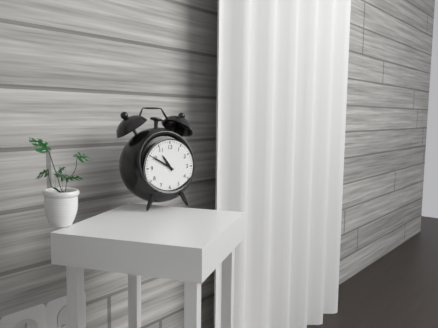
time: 10:50
